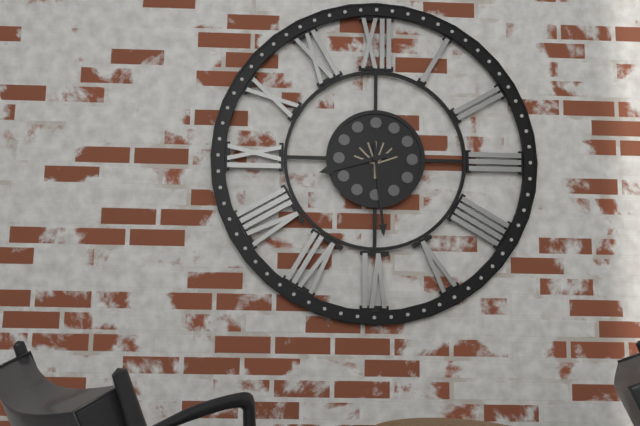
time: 8:29
